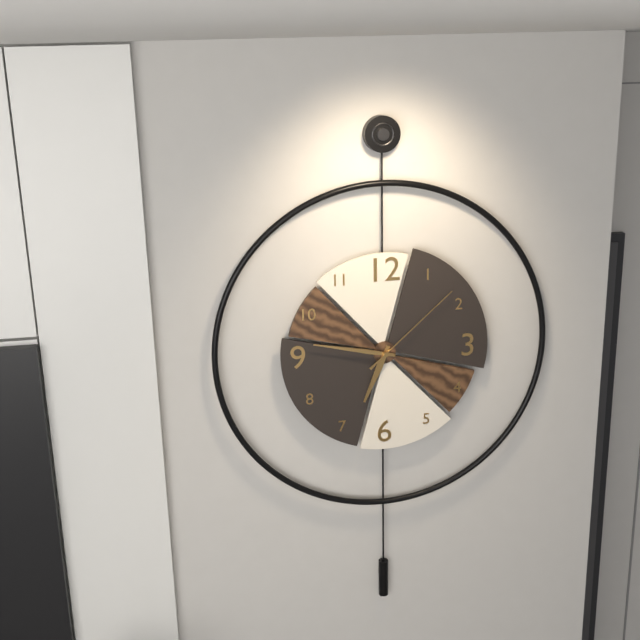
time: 6:47:08
